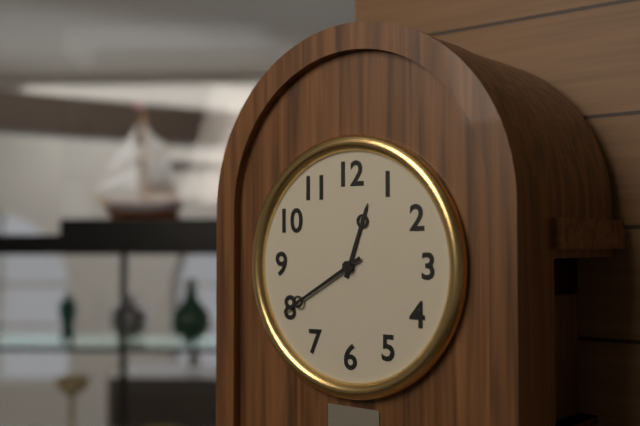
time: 12:40
